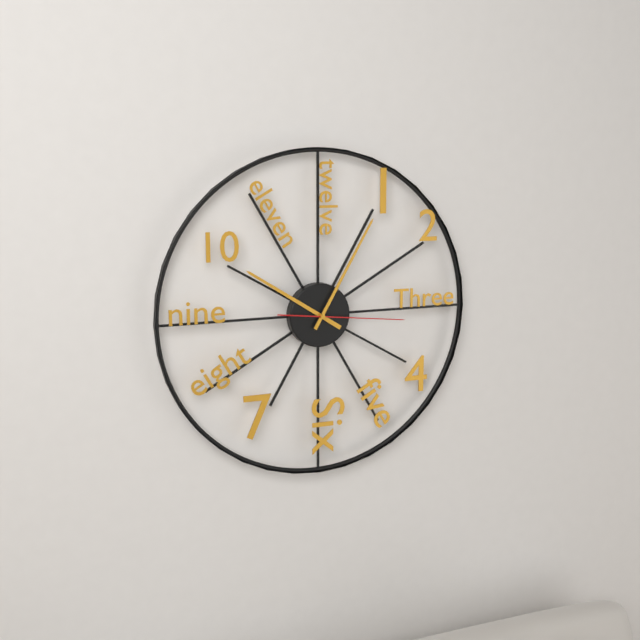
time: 10:05:16
